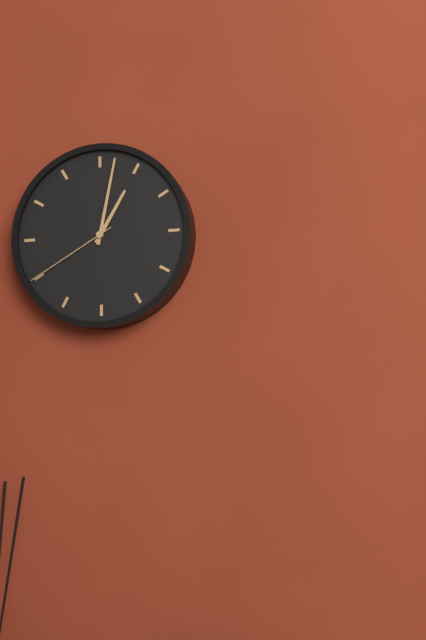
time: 1:02:40
